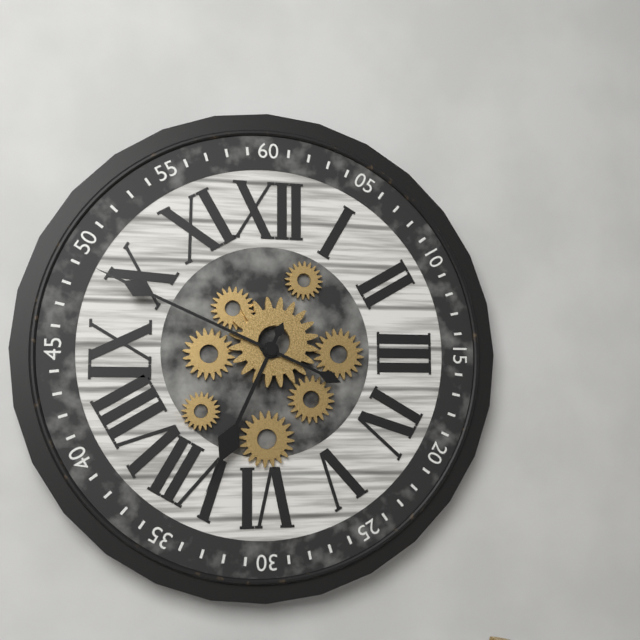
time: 6:49
